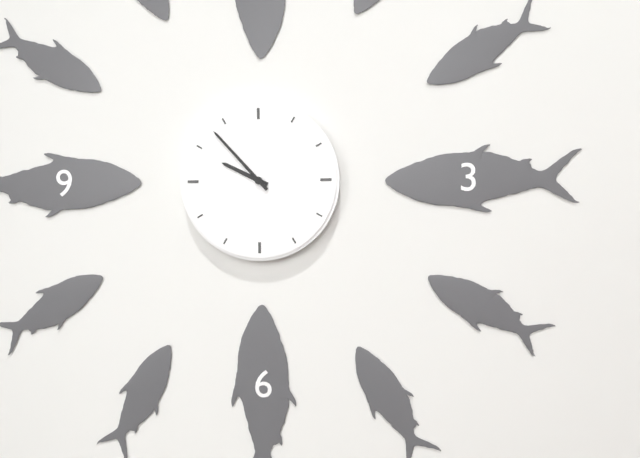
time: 9:53
